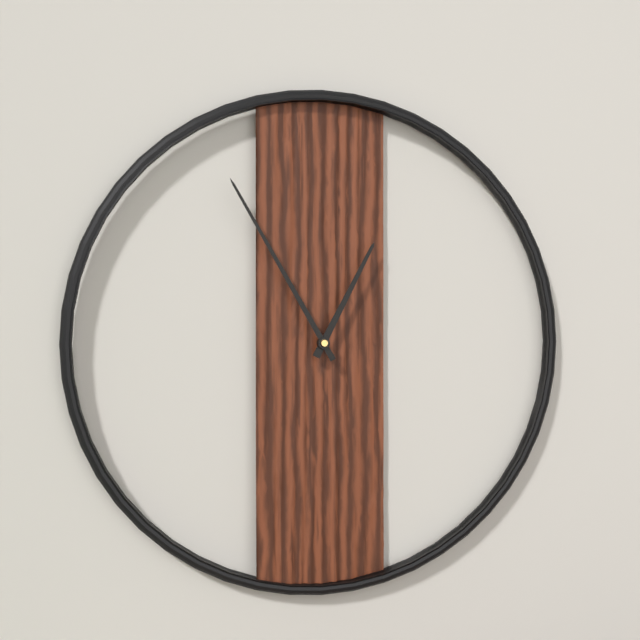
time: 12:55
